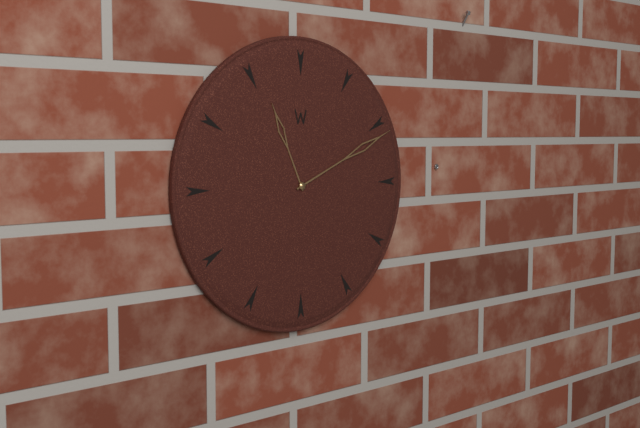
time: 11:11
